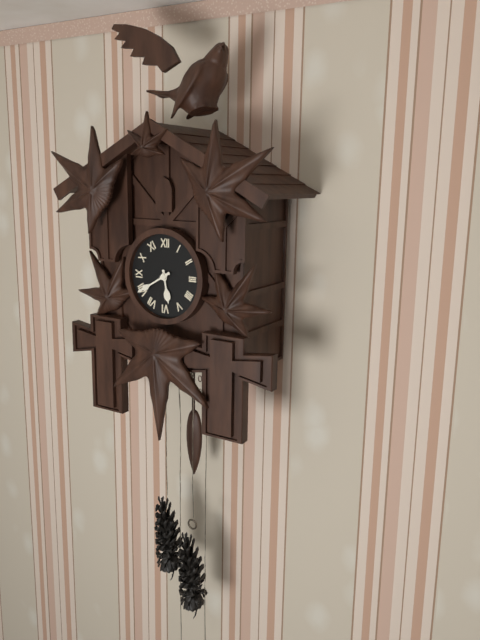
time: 5:40
